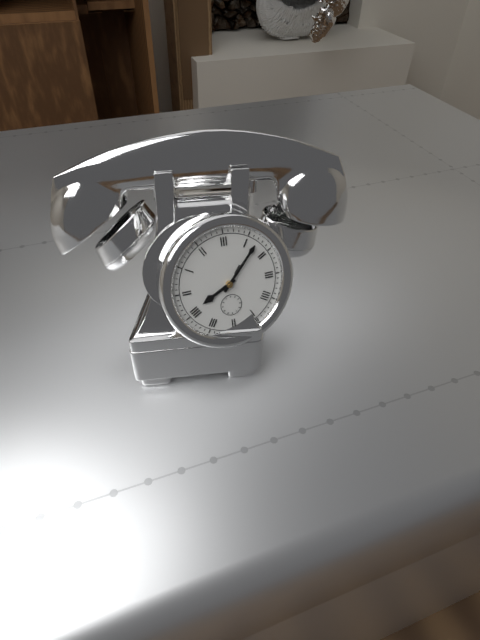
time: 8:07
